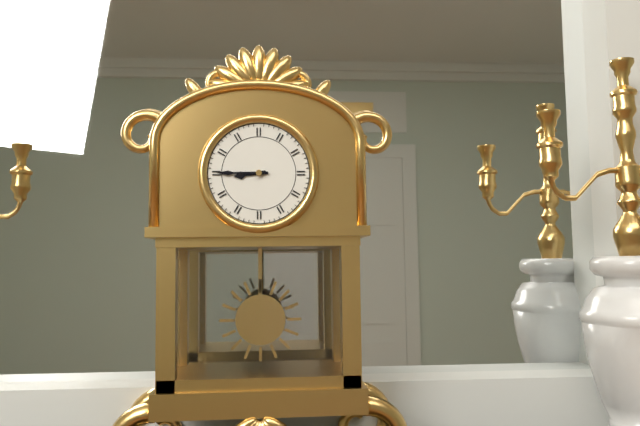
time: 8:45
